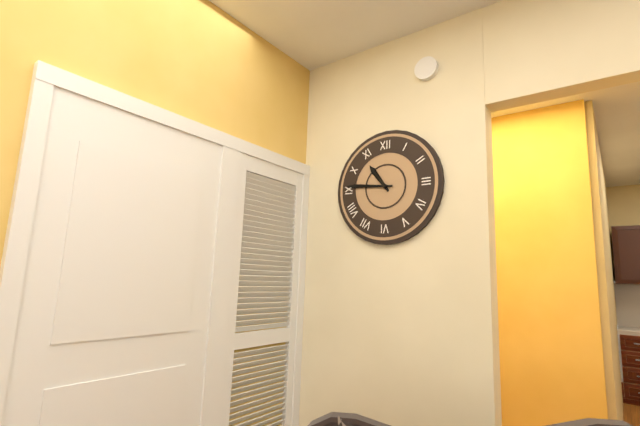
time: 10:46
